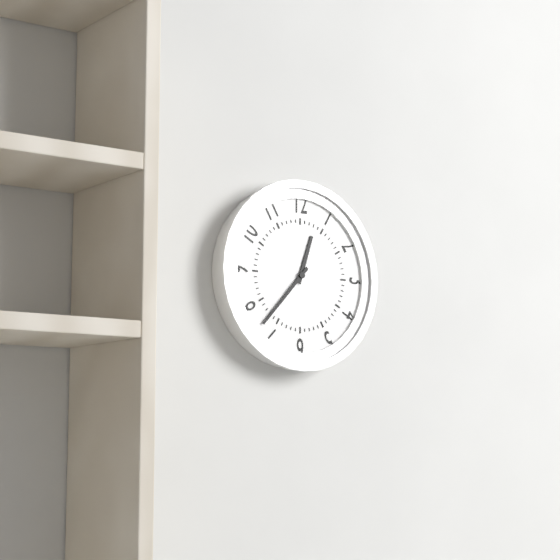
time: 12:37
